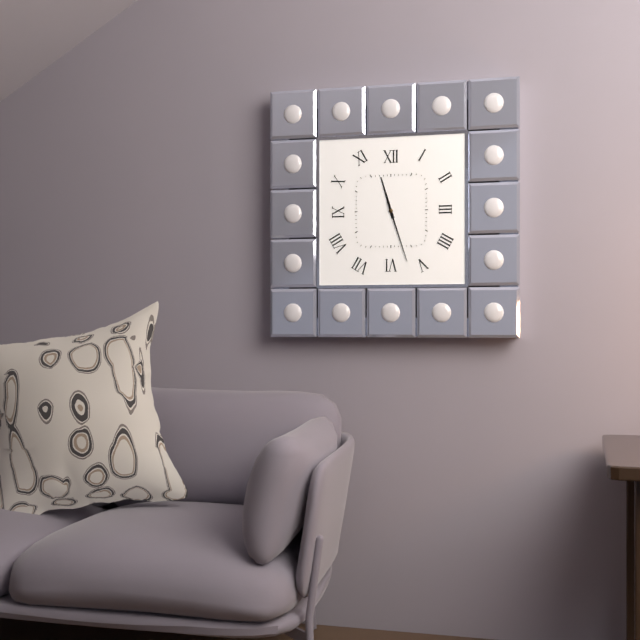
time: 11:27
